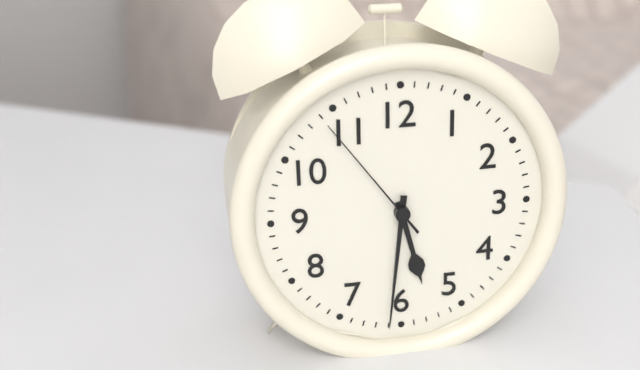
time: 5:31:54
